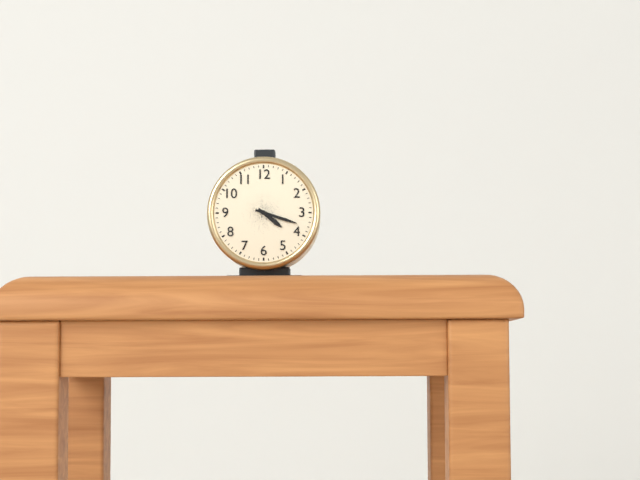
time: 4:18
